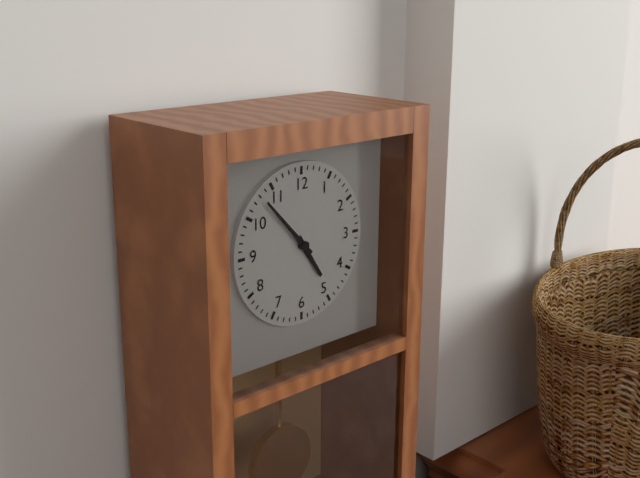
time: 4:53
